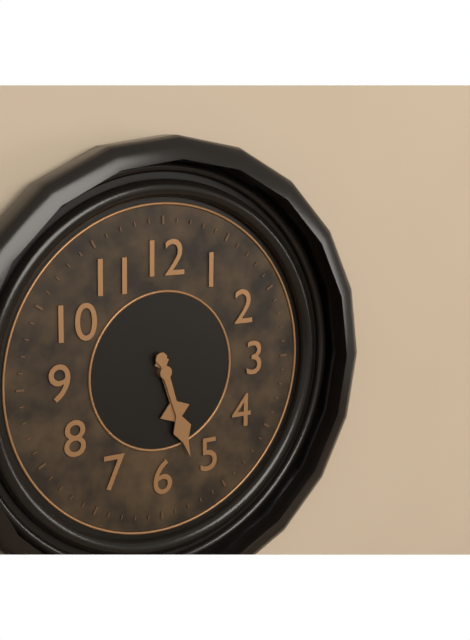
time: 5:27
